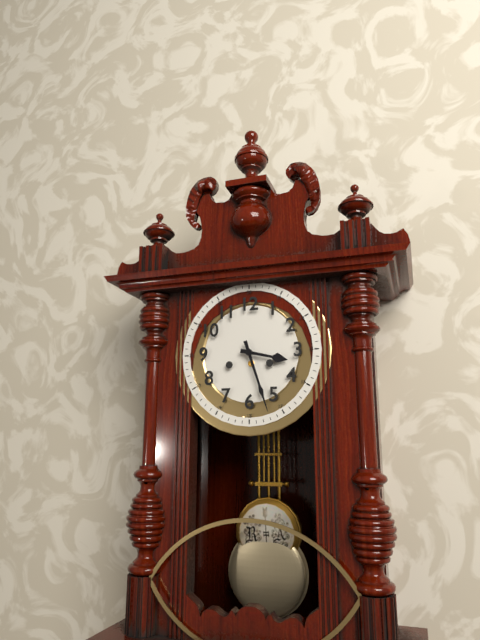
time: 3:27
